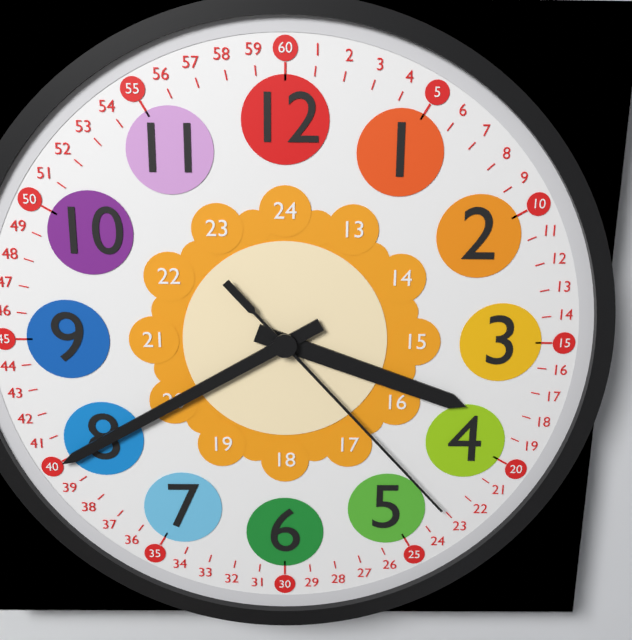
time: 3:40:23
